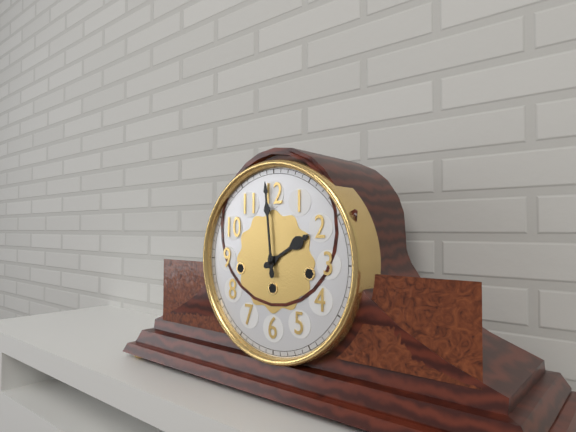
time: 1:59
